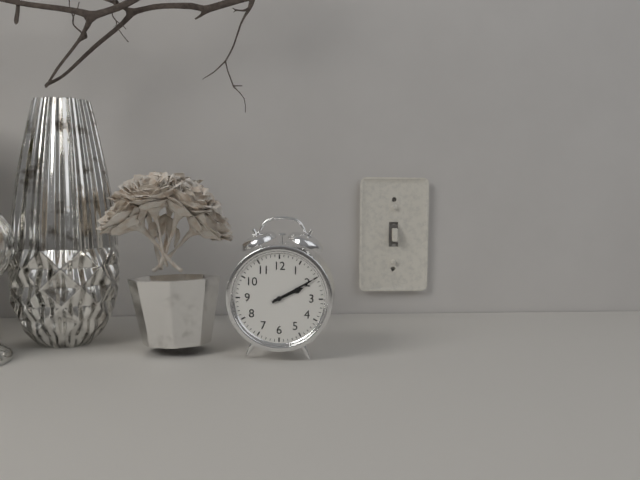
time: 2:10
